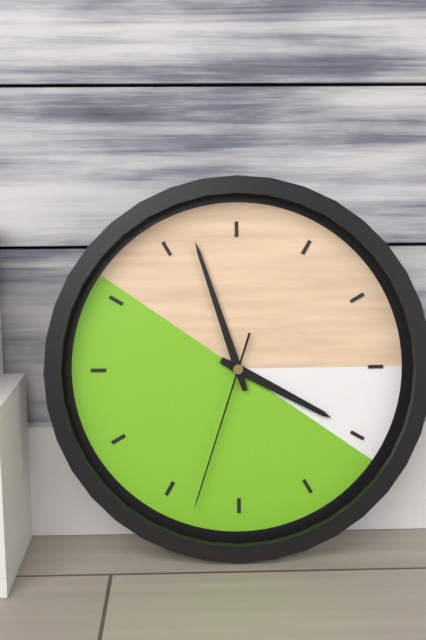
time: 3:57:33
